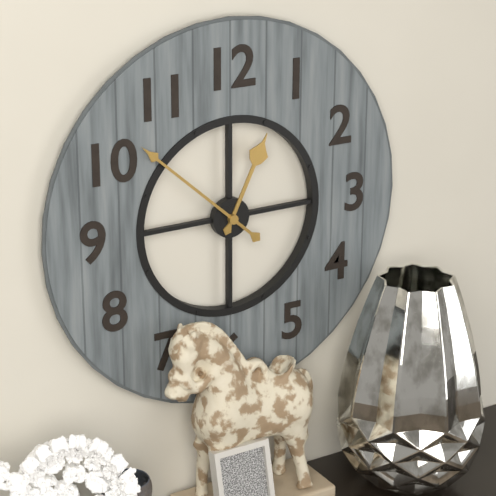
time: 12:52
